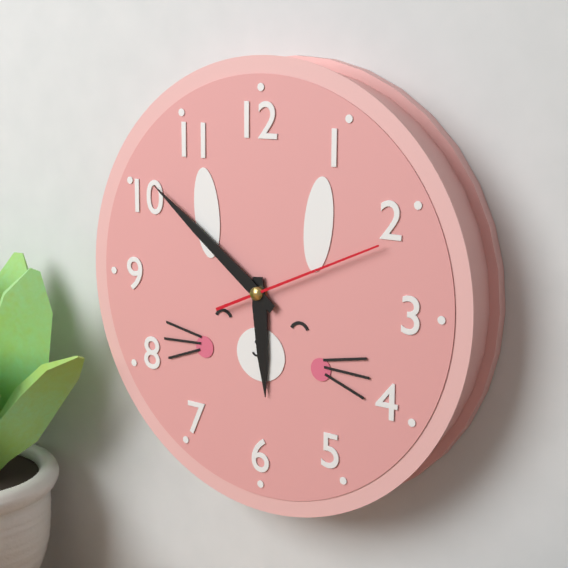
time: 5:51:11
